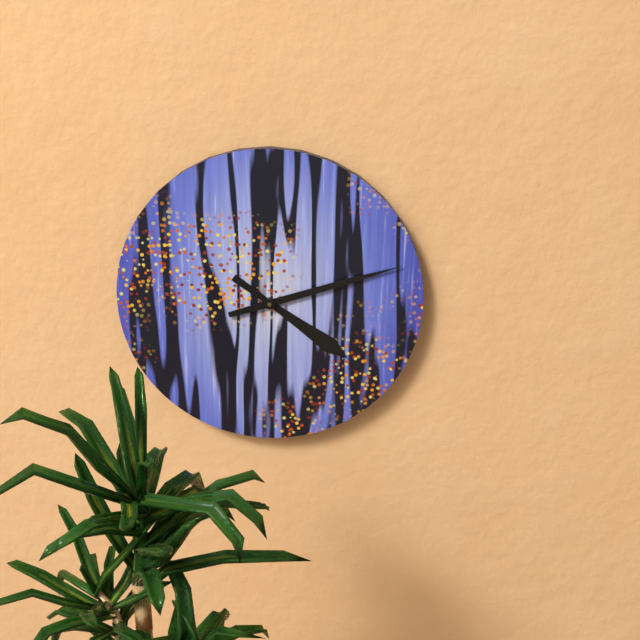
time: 4:12
